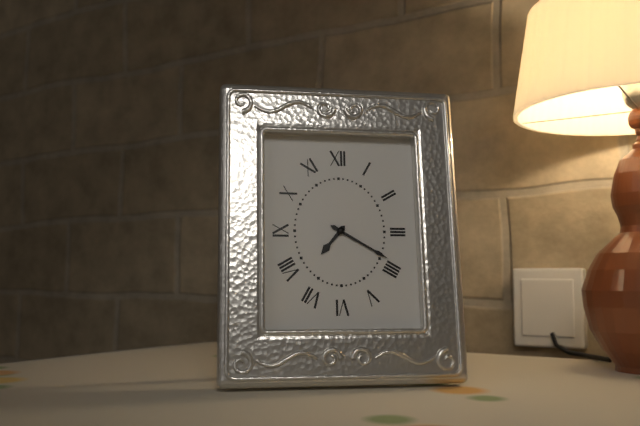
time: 7:20
